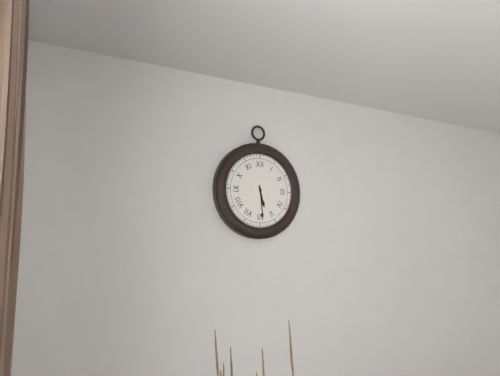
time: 5:29
